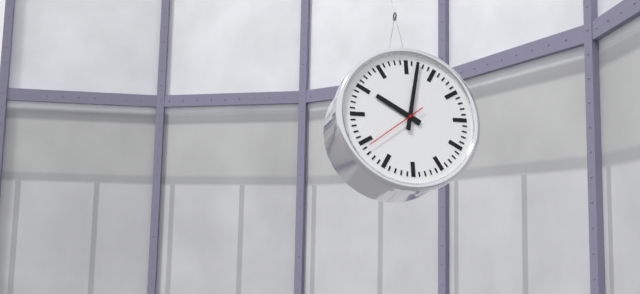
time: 10:02:39
